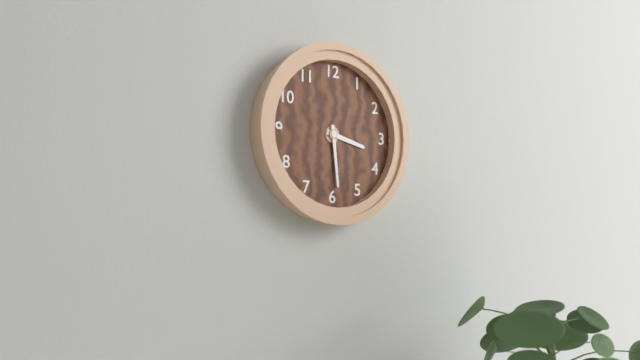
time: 3:29
